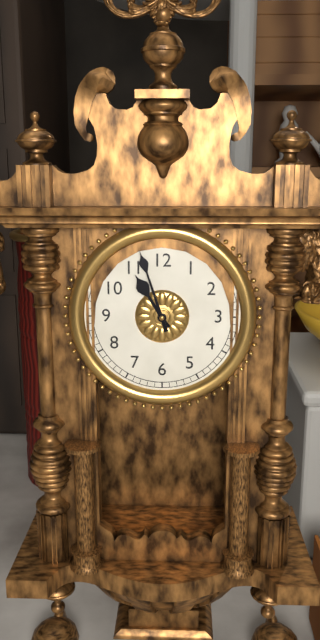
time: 10:57
